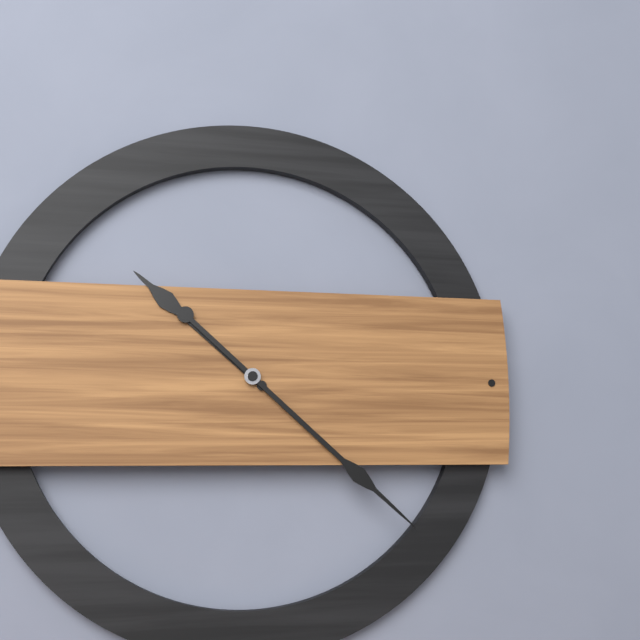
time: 10:22
